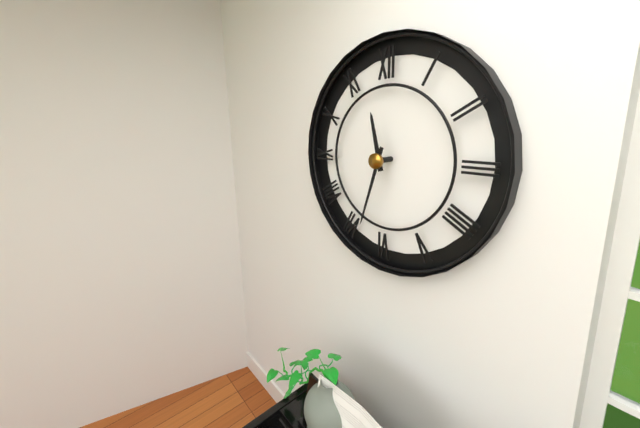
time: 11:33
